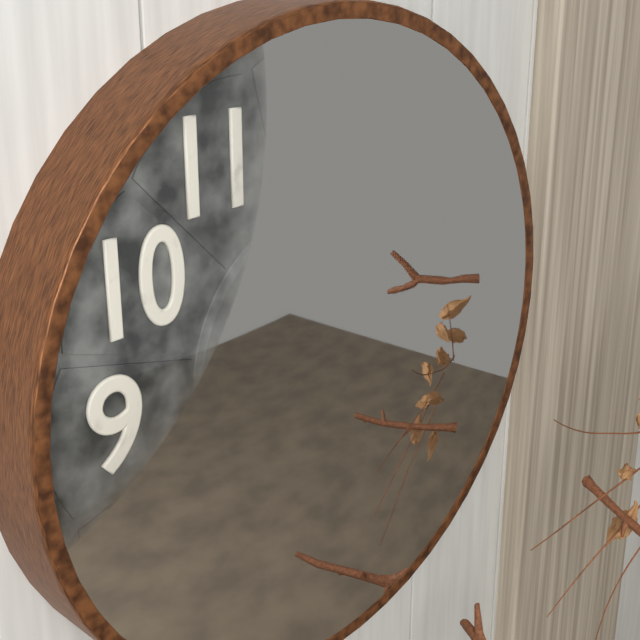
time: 8:23
